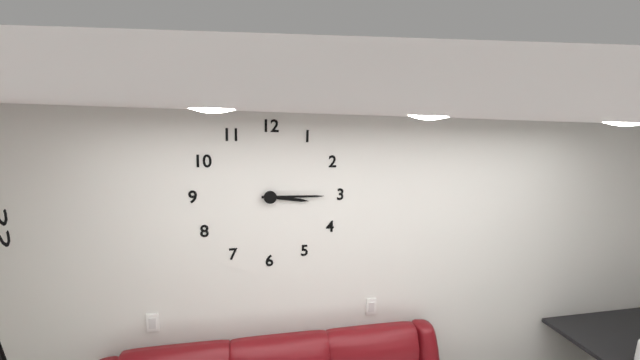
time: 3:15
